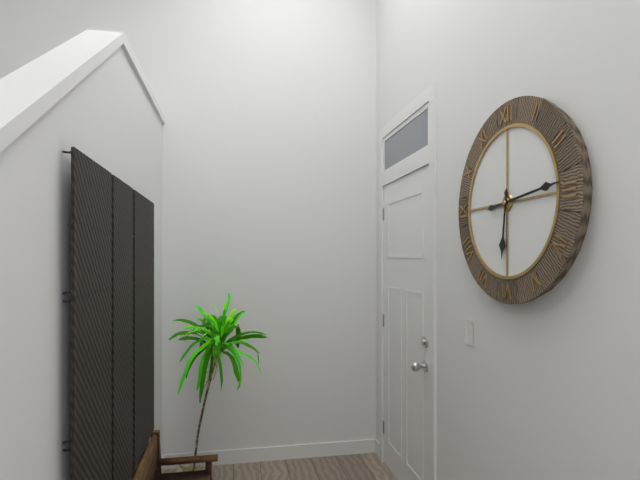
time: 6:14
